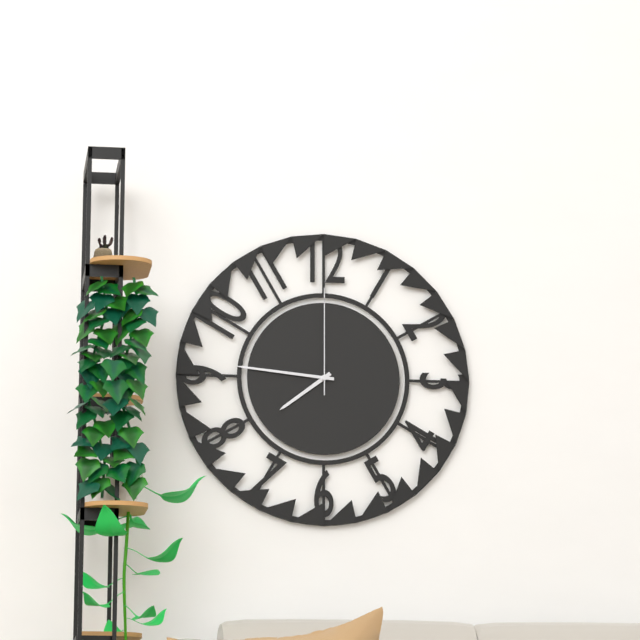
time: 7:46:00
